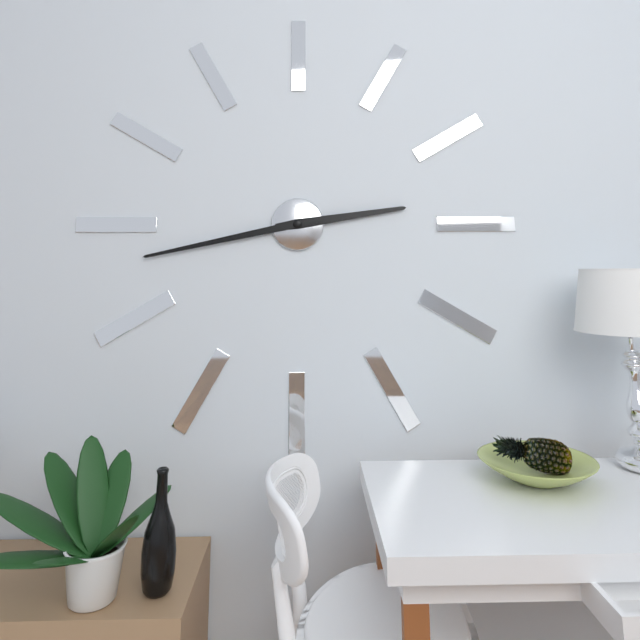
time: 2:43
